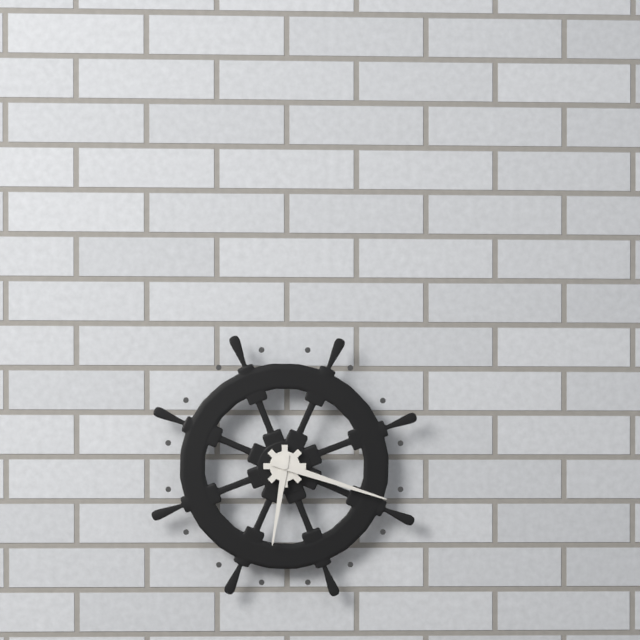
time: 6:18
